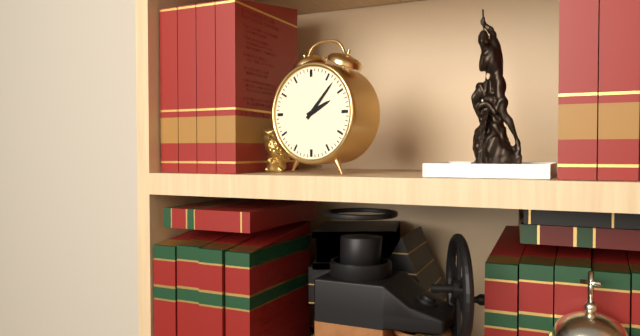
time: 2:07
